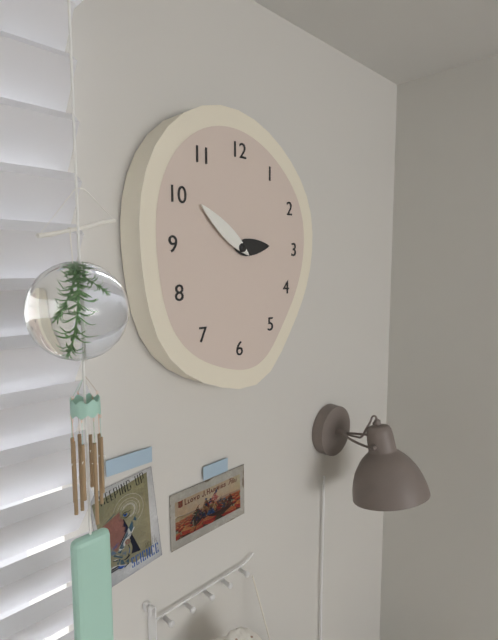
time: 2:51
